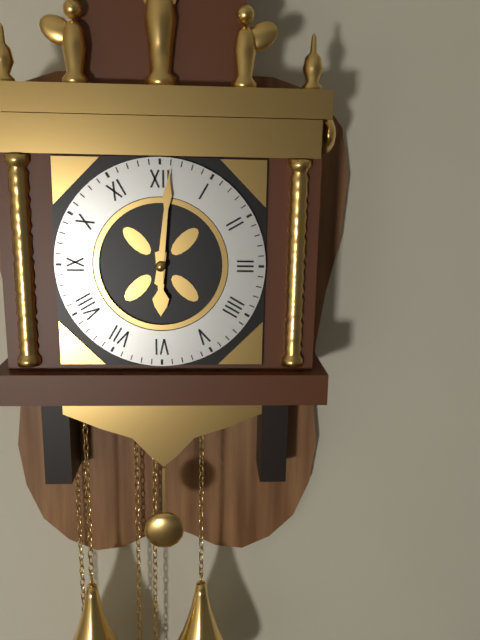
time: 6:01
